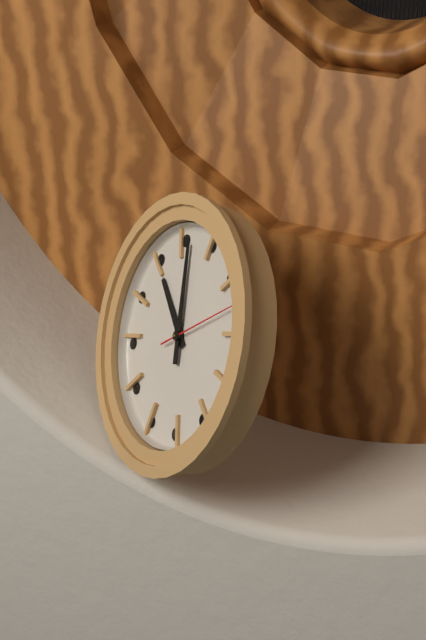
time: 9:56:08
